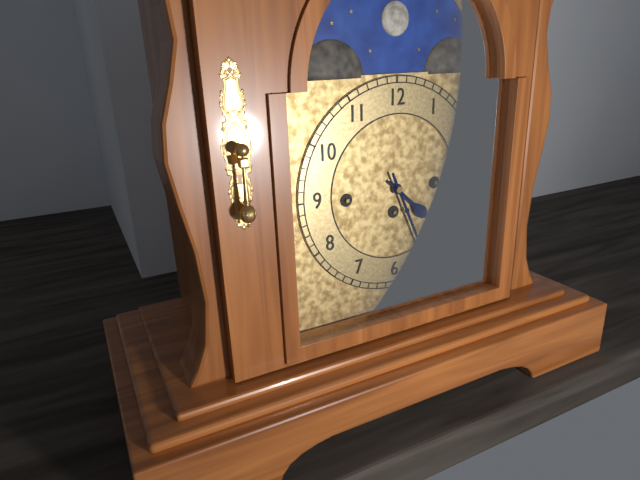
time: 4:26
